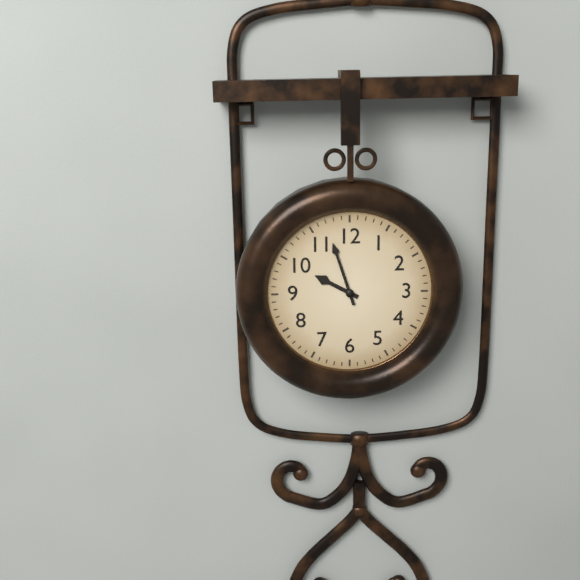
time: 9:57
